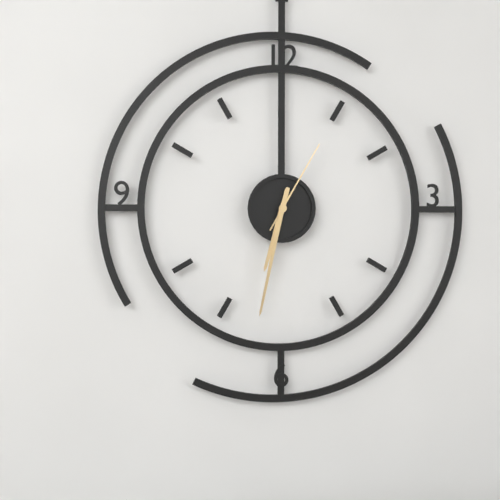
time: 6:32:05
